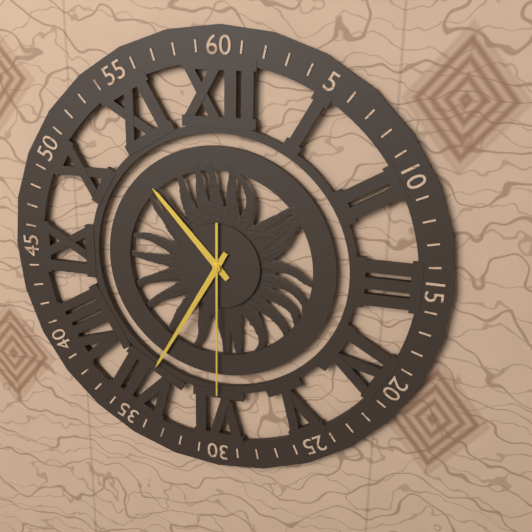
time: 10:35:30
